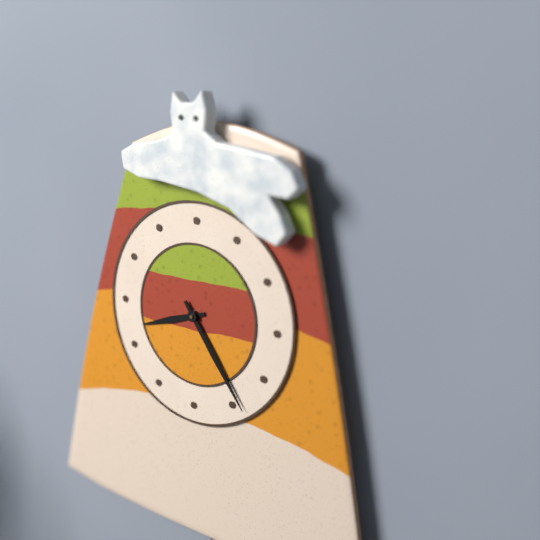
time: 8:24
